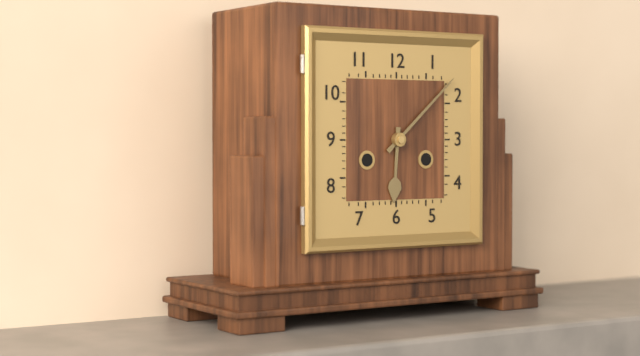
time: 6:08
